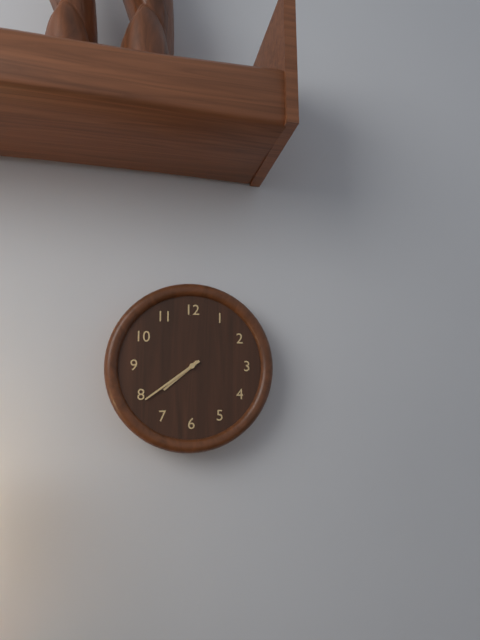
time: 7:39
